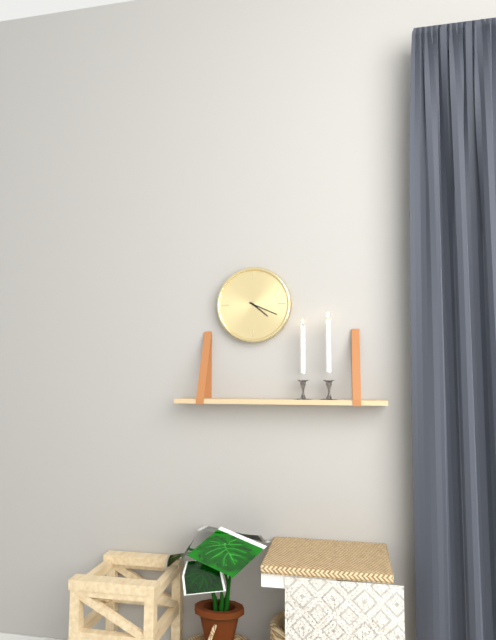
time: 4:19
